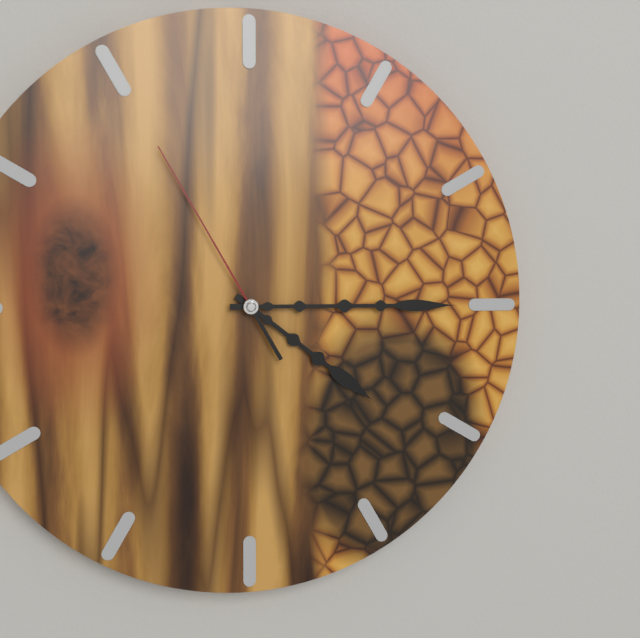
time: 4:15:55
